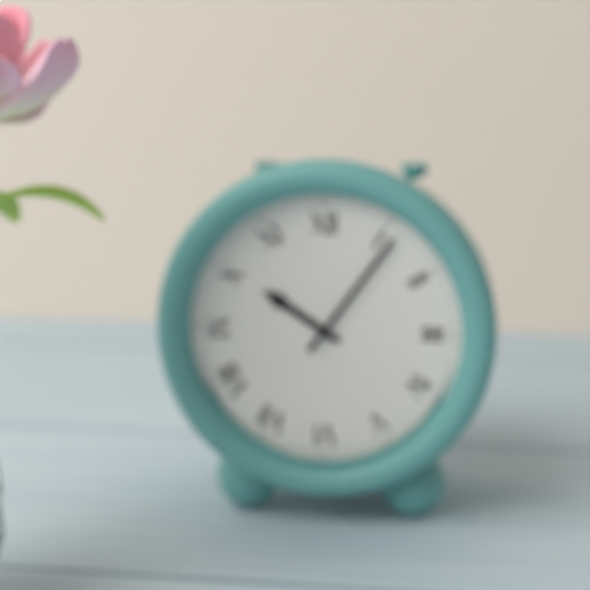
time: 10:06
